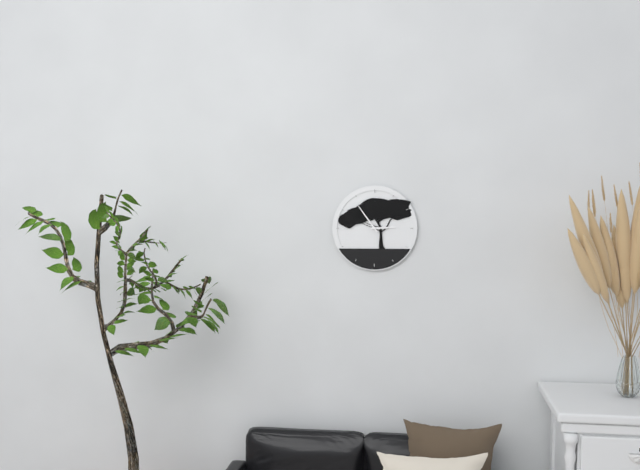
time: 2:54
